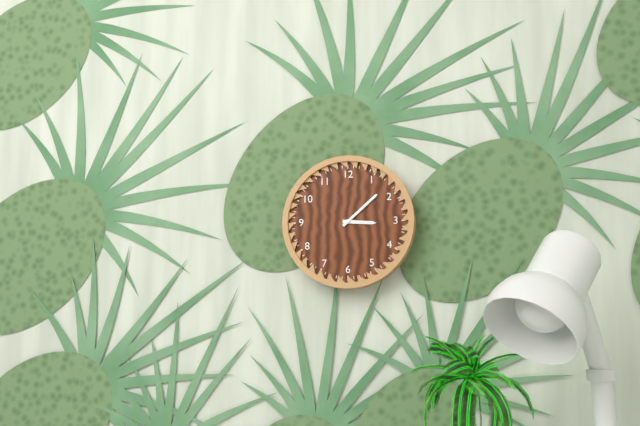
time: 3:08
